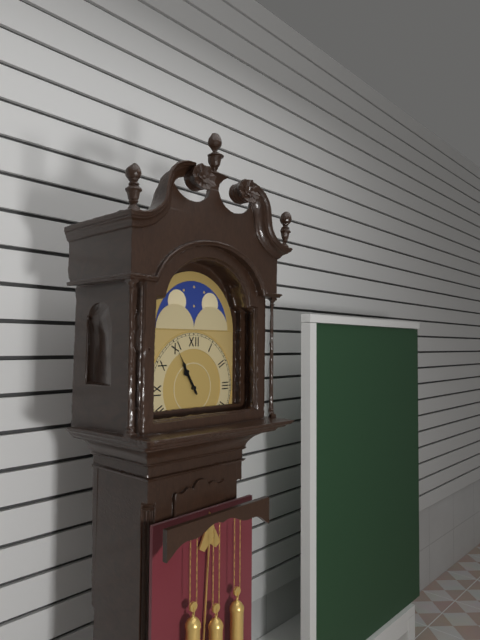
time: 10:55
